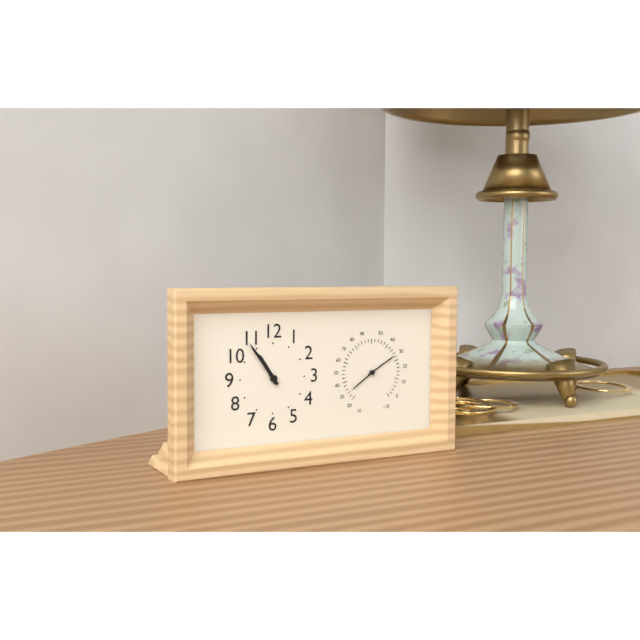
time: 10:54
